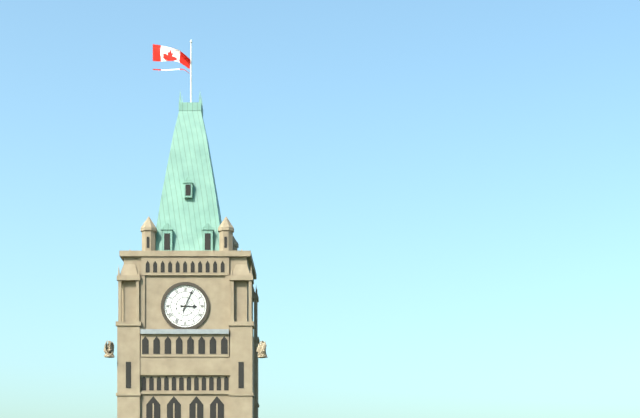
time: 3:04
